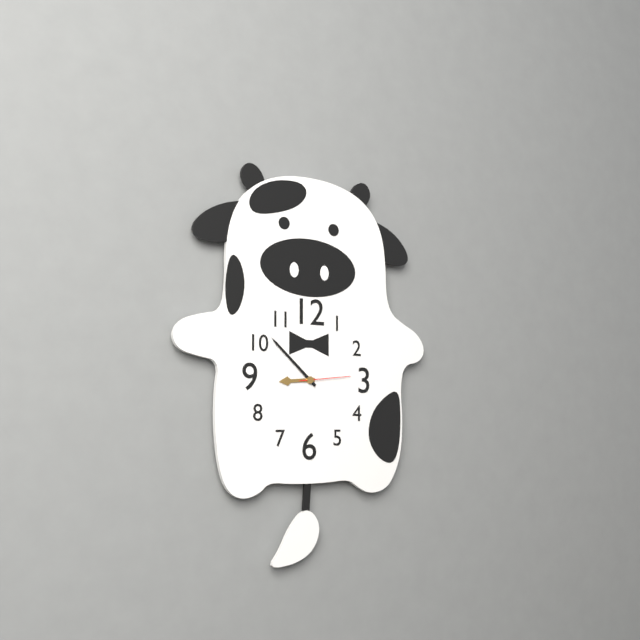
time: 8:52:14
